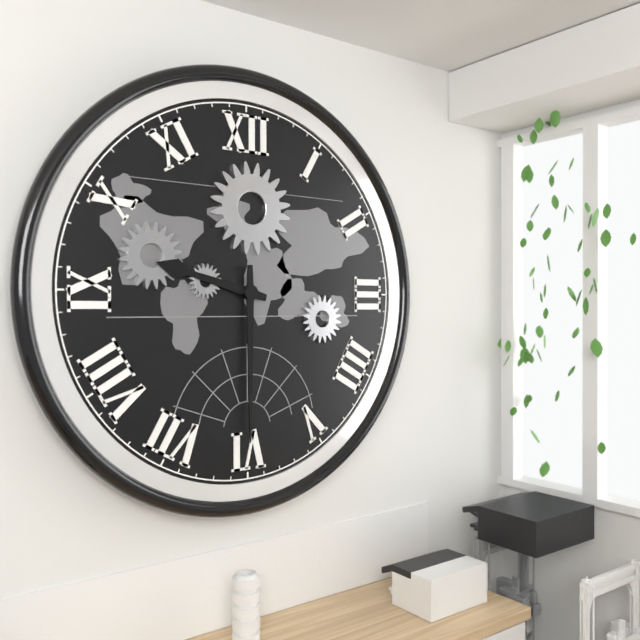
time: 9:30
